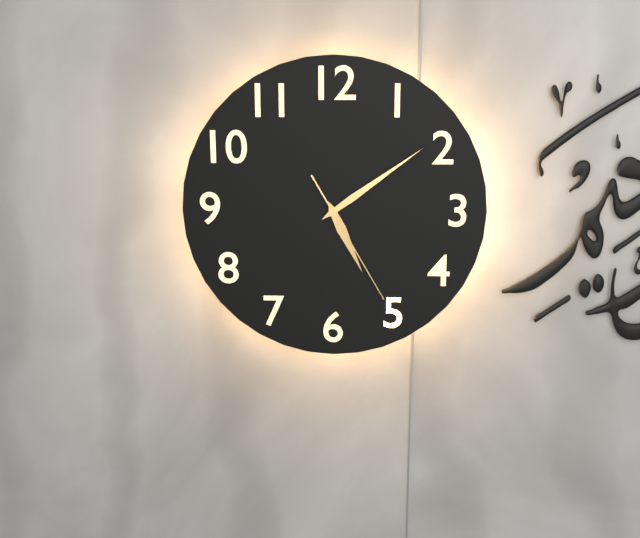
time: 5:09:25
